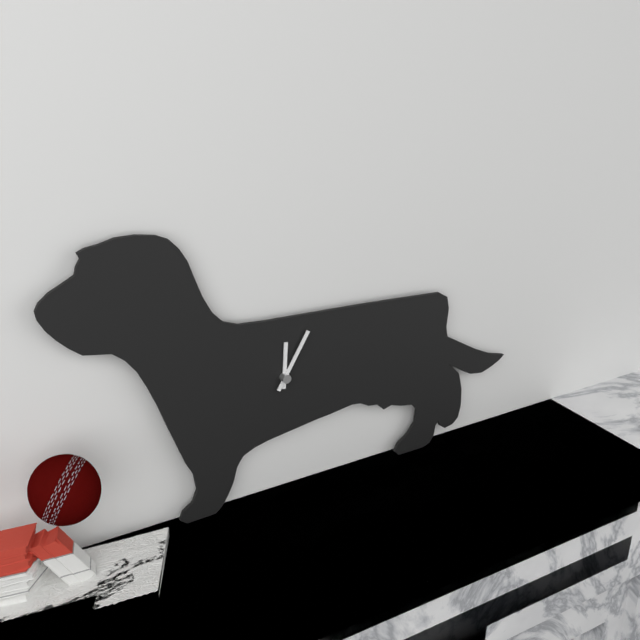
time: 12:05
